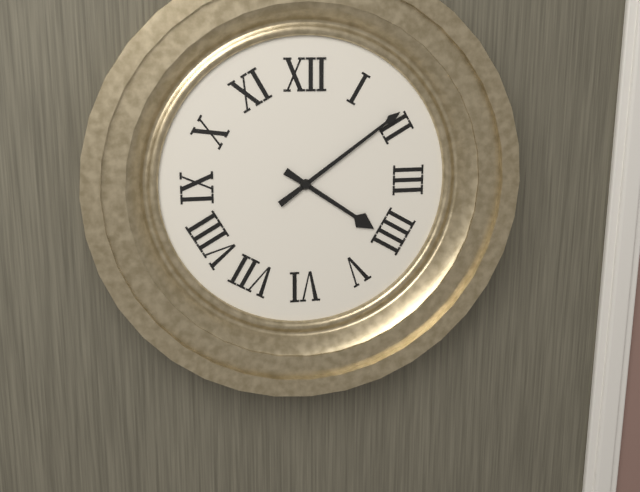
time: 4:09
